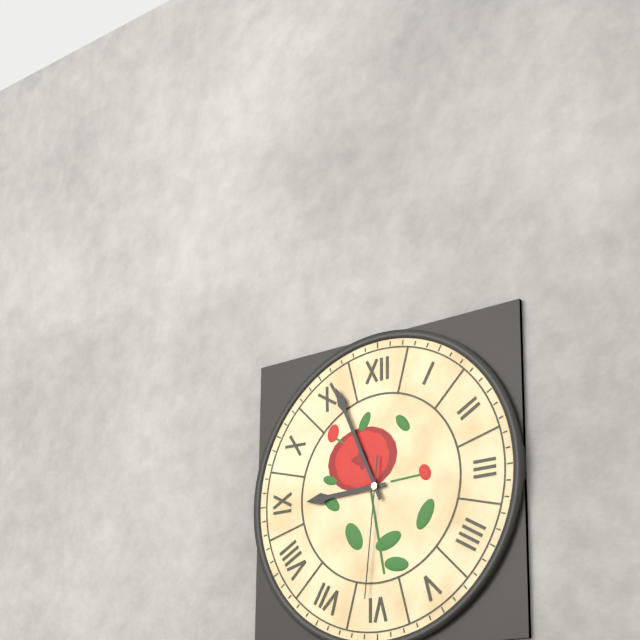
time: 8:56:31
